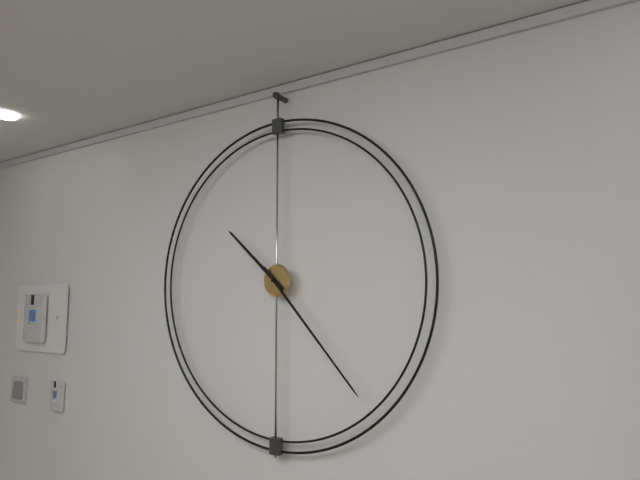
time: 10:23
